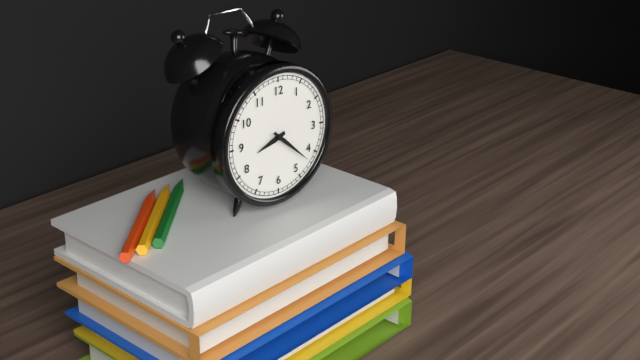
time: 8:22
